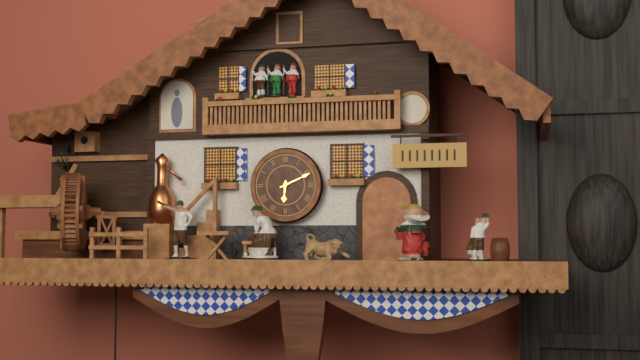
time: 6:11
